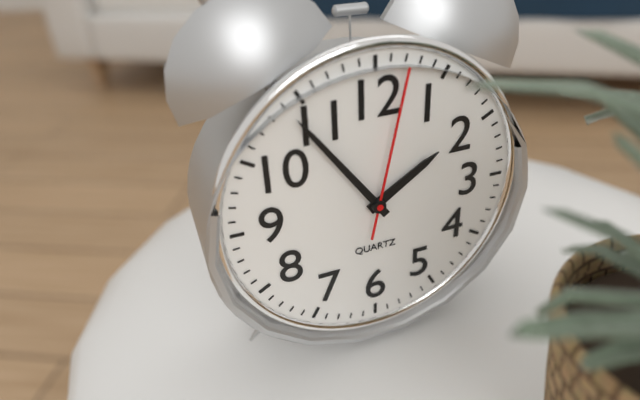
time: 1:54:02
